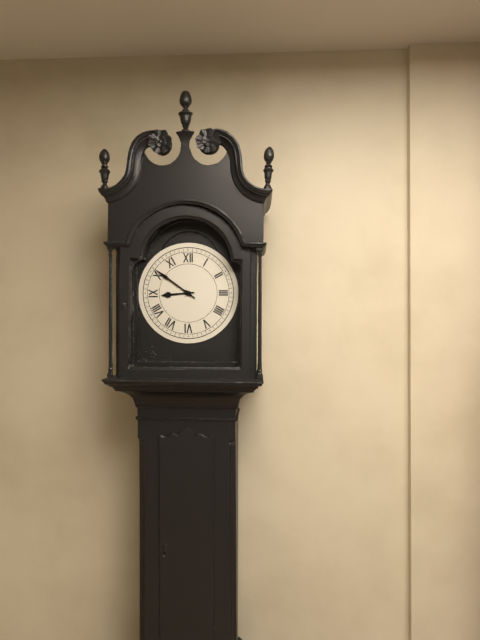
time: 8:51
